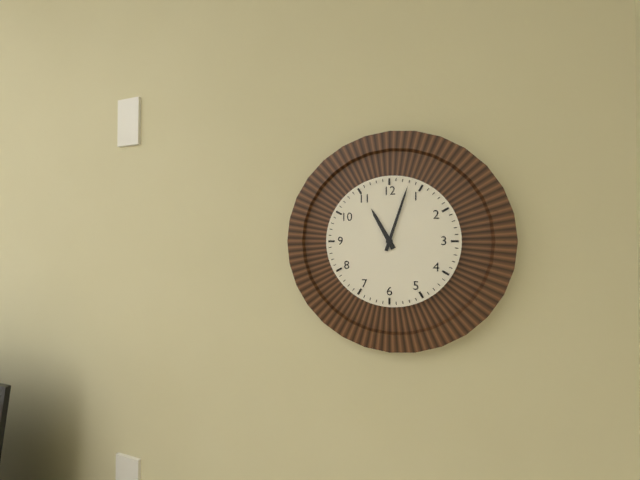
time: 11:03
